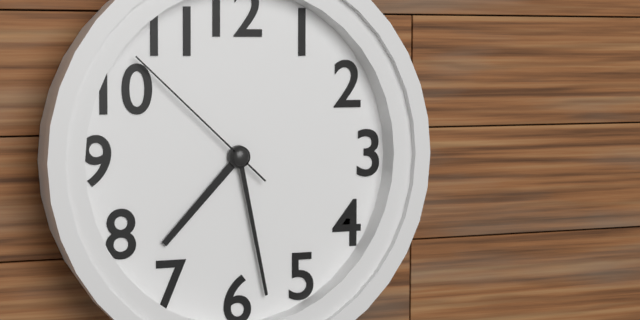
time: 7:28:52
